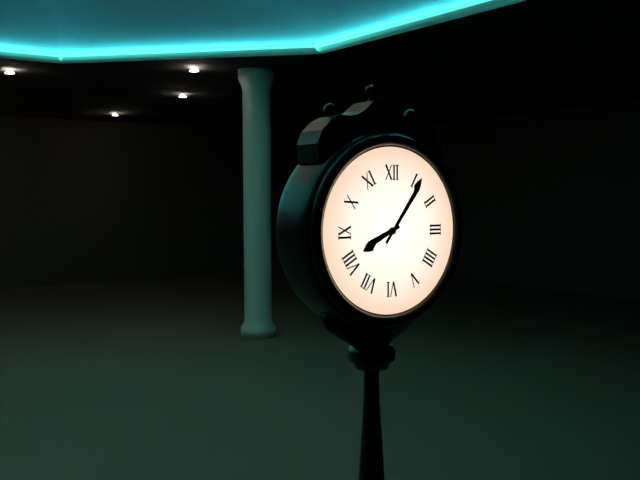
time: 8:06
